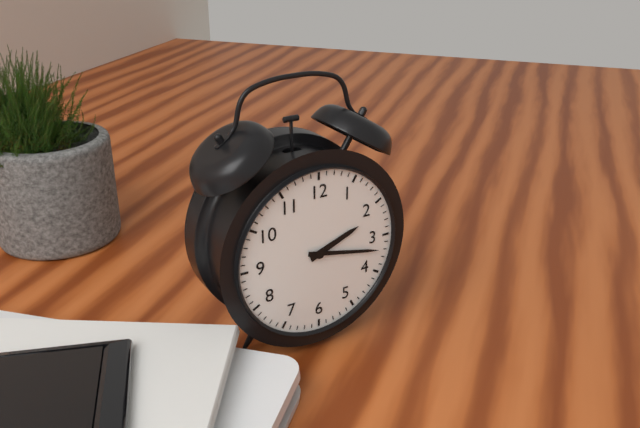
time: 2:17
